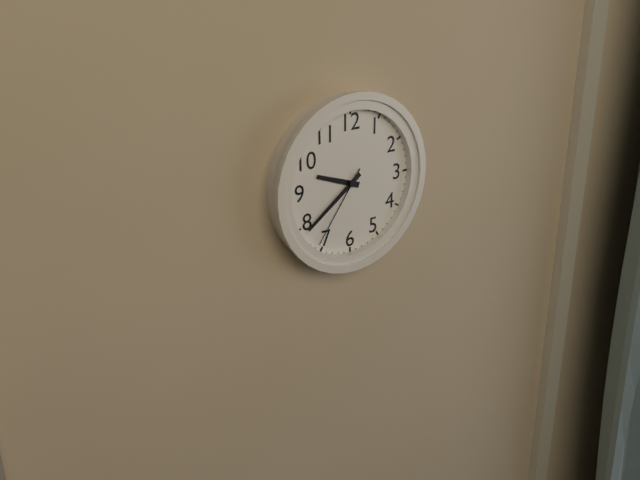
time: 9:39:36
